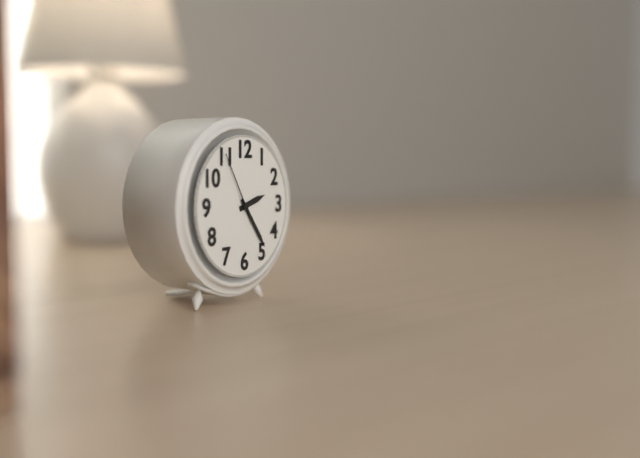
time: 2:24:55
